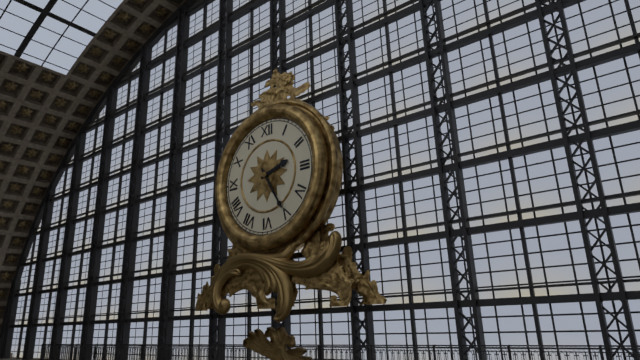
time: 2:25
